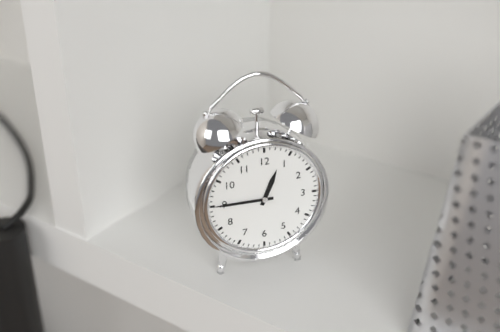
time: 12:45
